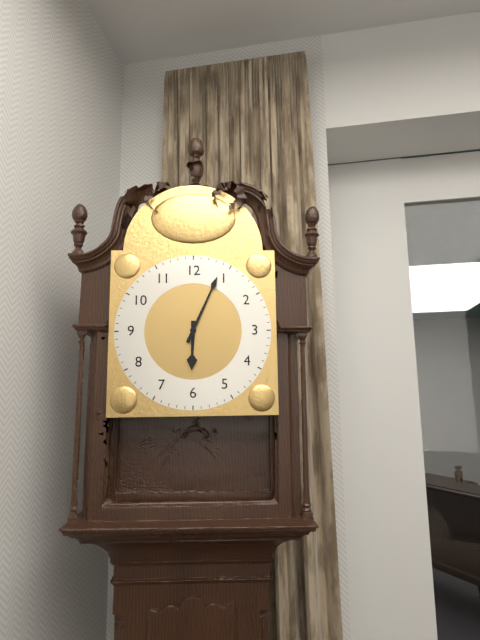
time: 6:04
